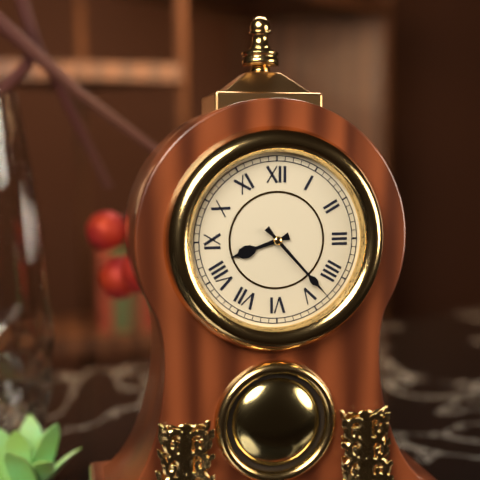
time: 8:23
